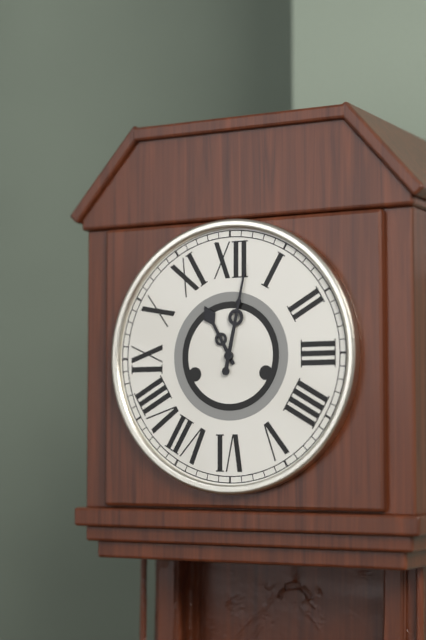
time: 11:02
